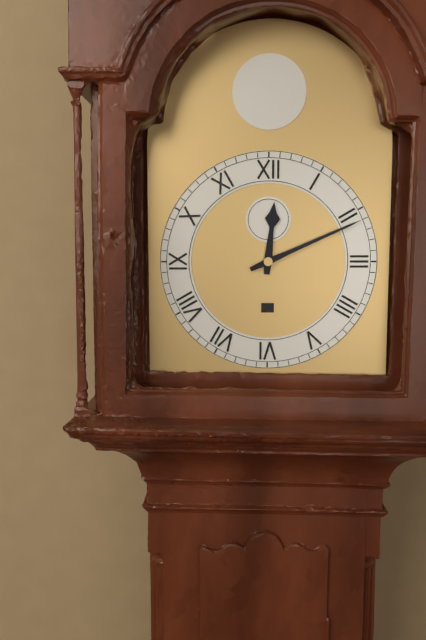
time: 12:11
